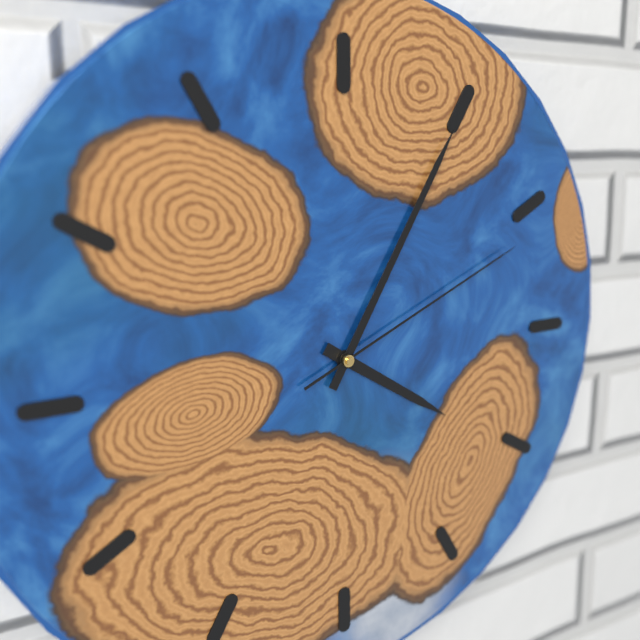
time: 4:05:11
